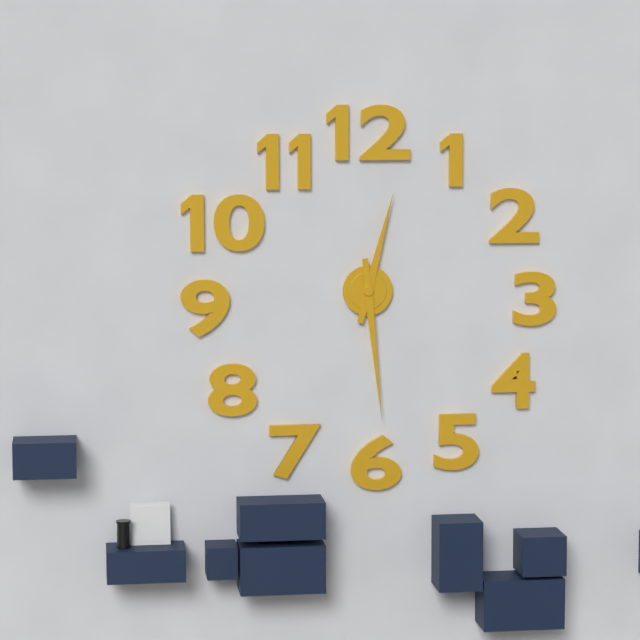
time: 12:29
